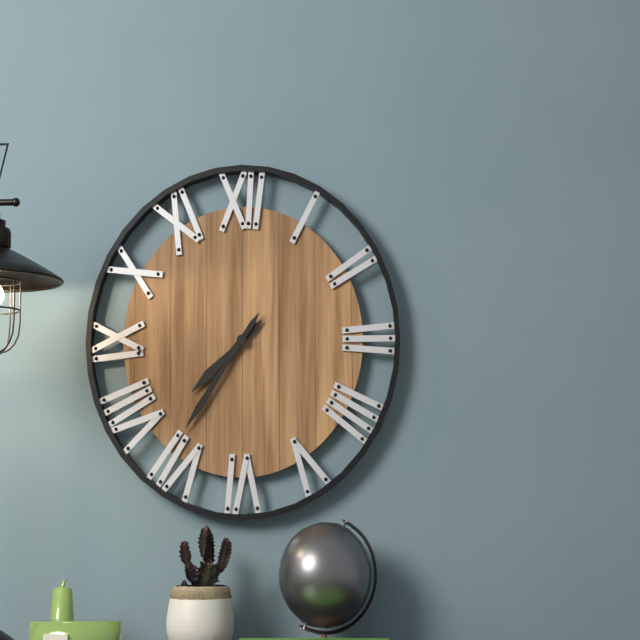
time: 7:36
